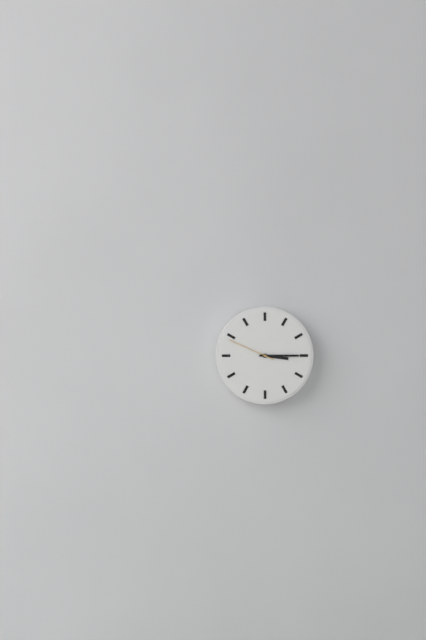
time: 3:15
